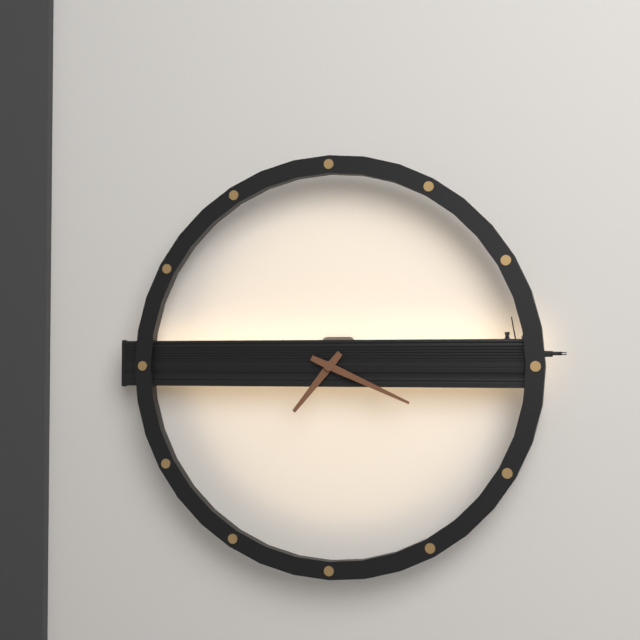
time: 7:19
